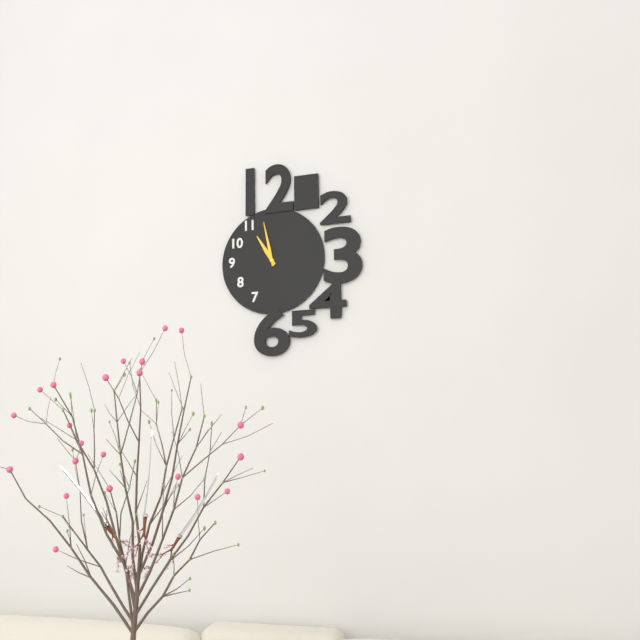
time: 10:58
